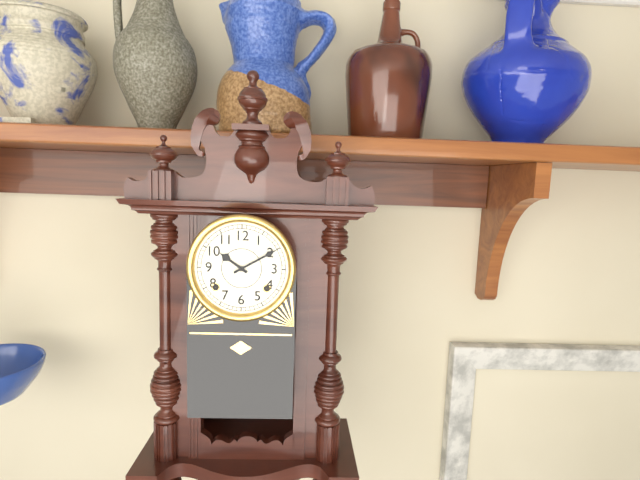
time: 10:10
